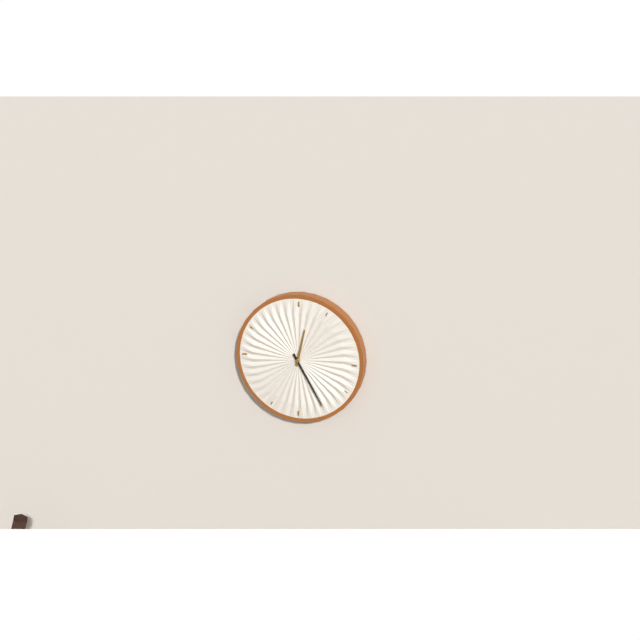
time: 12:25
